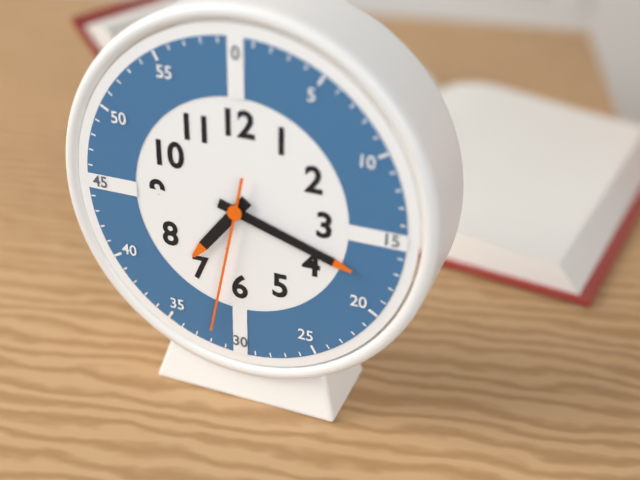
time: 7:18:32
